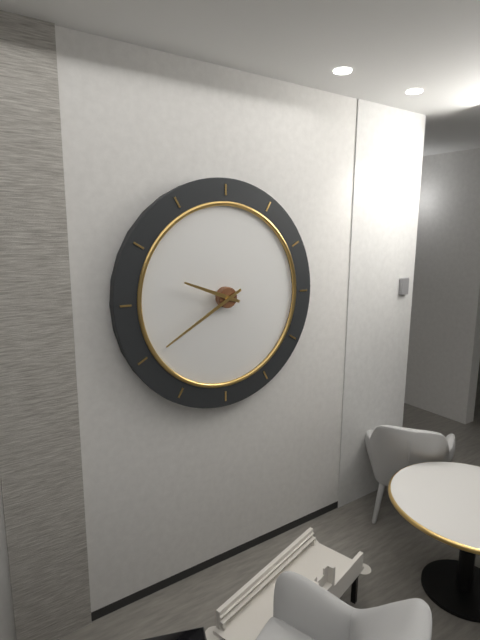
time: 9:40
